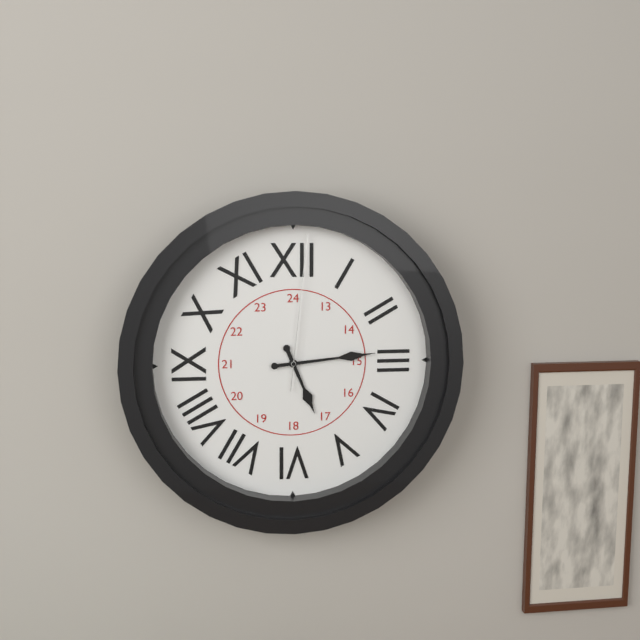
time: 5:14:01
